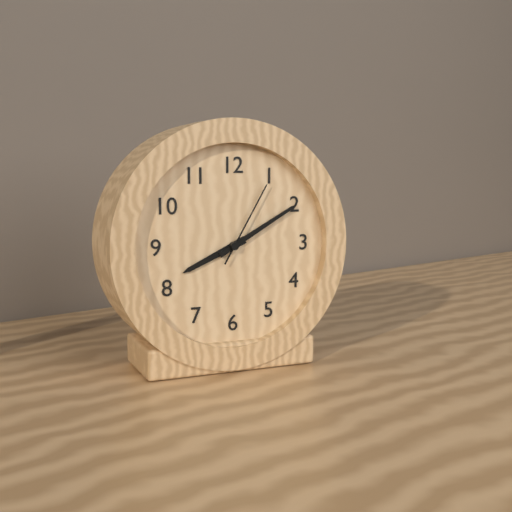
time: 8:10:05
